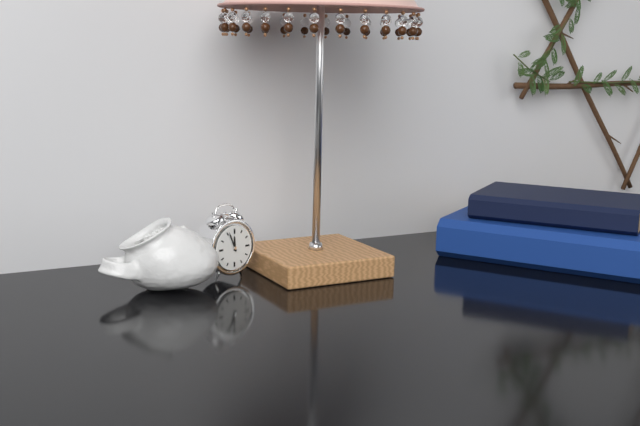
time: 11:56
